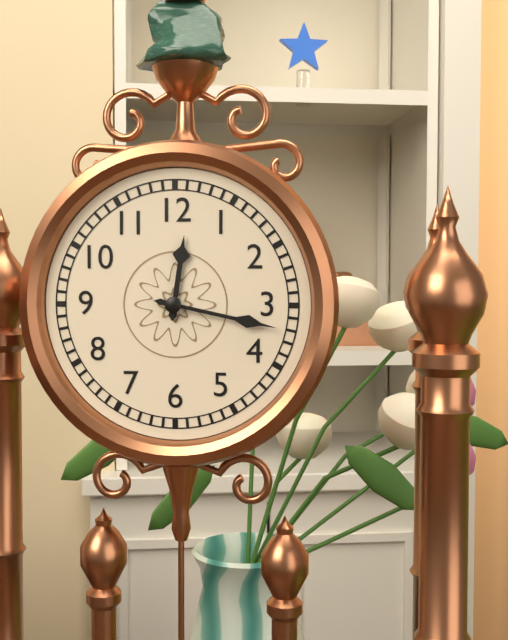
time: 12:17
